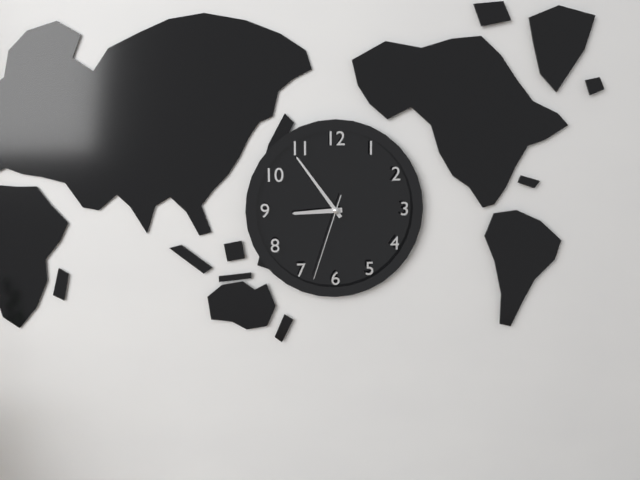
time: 8:54:33
